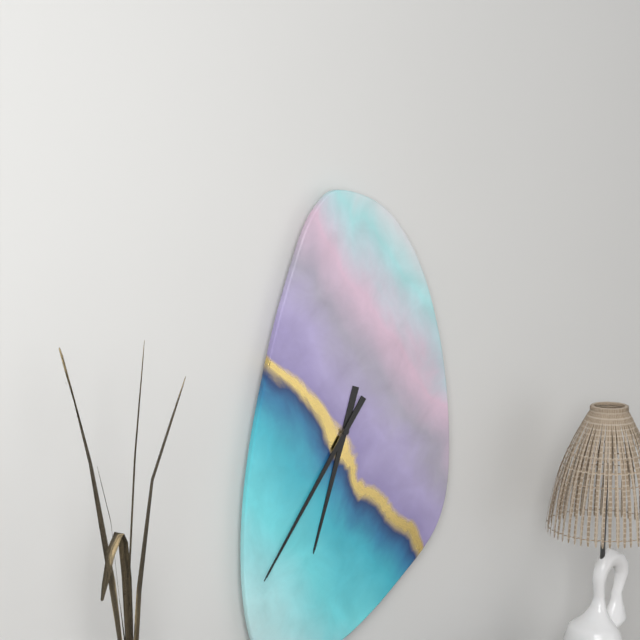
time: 6:36
